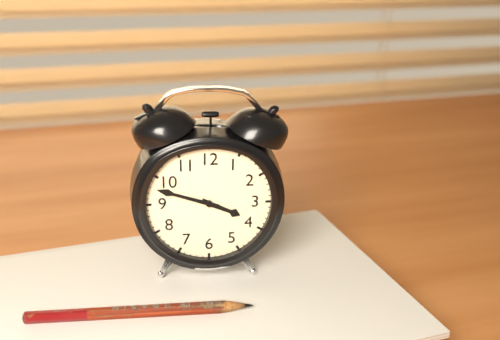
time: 3:48
